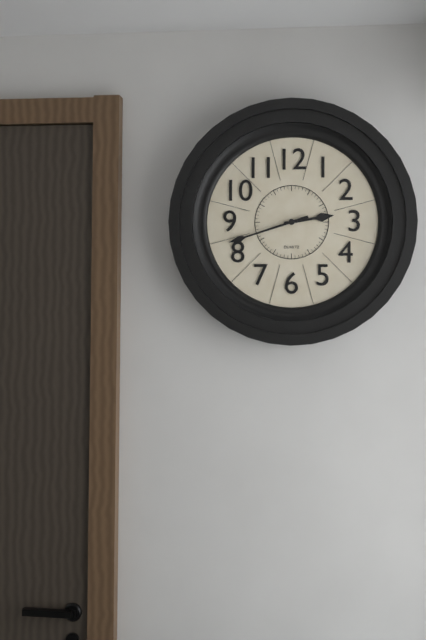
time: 2:42
